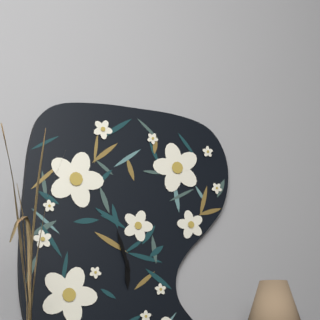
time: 5:57
